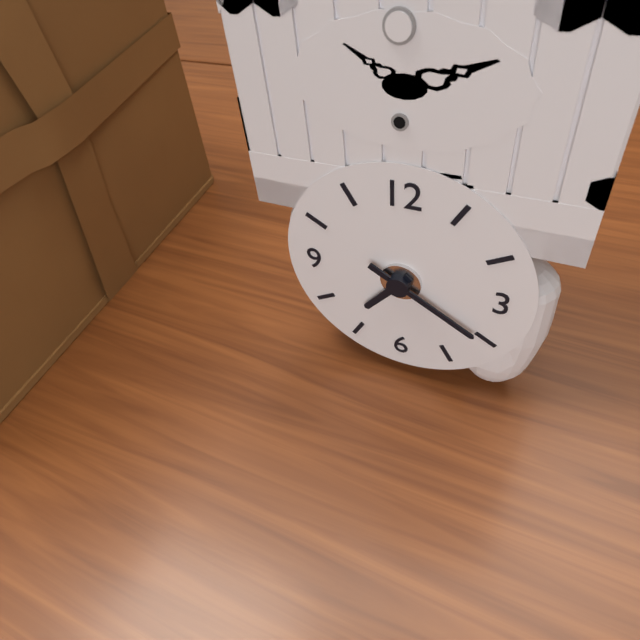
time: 7:20
